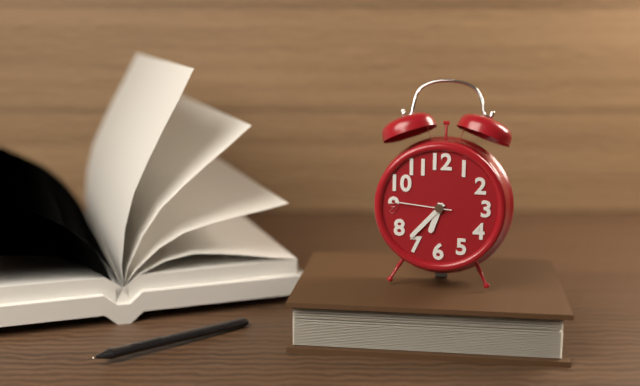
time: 6:37:46
